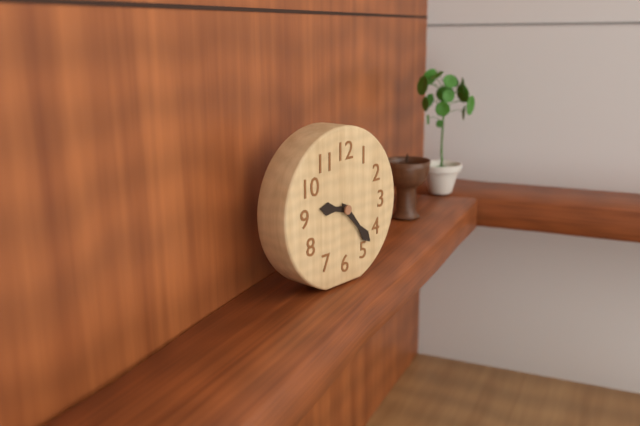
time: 9:23
